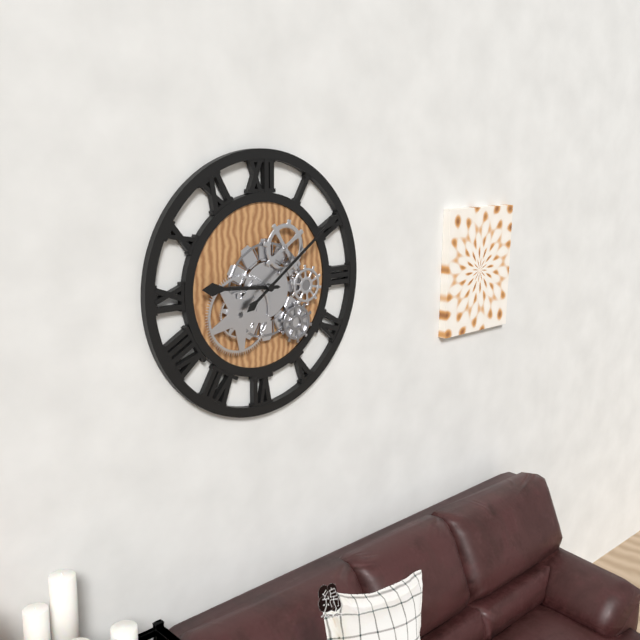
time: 9:09
